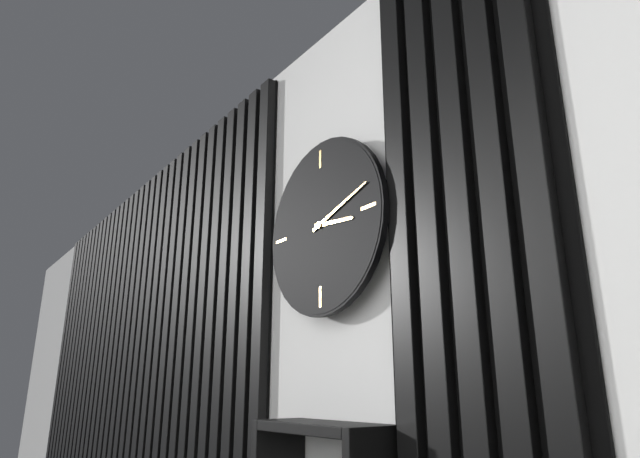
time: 3:12
